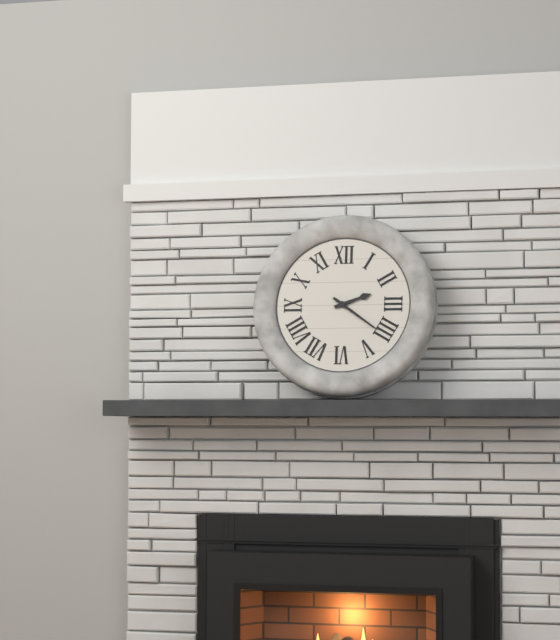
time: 2:21
